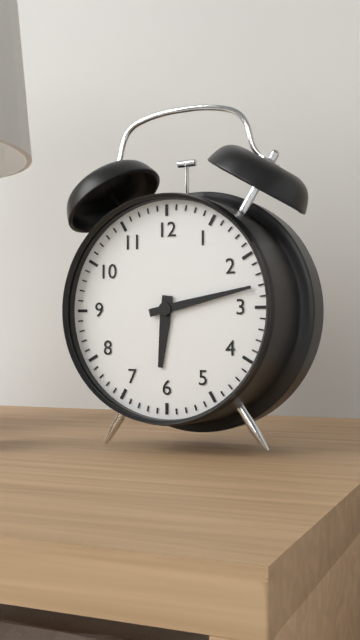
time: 6:13
